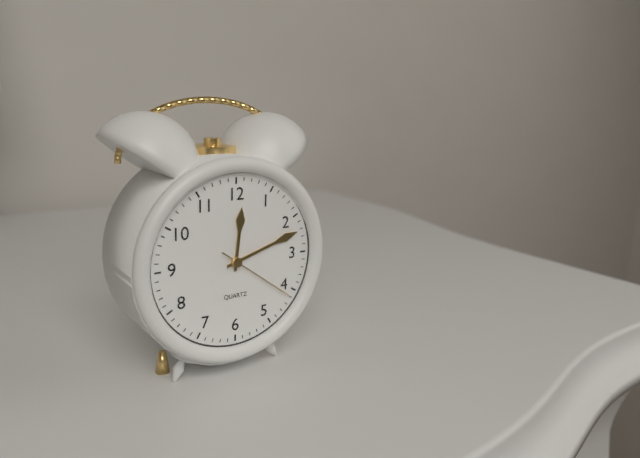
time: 12:12:21
